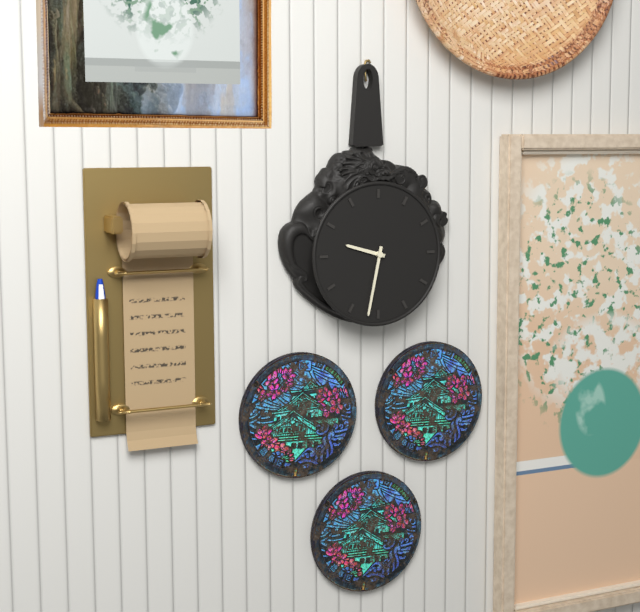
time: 9:32
